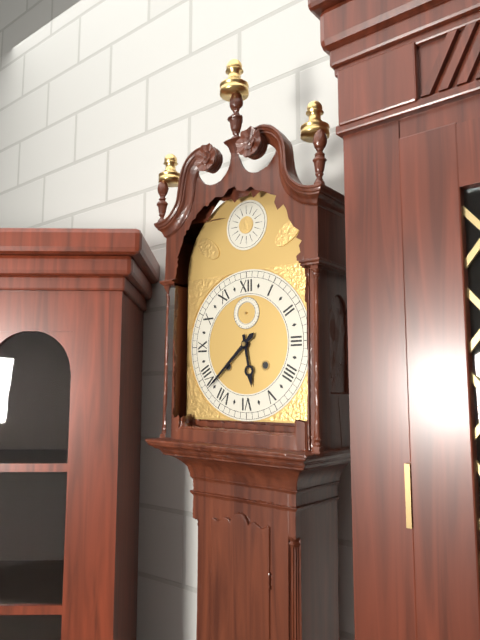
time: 5:38
